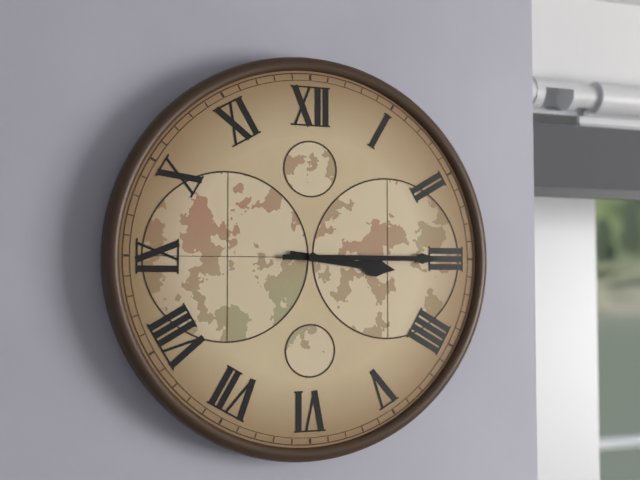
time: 3:15
